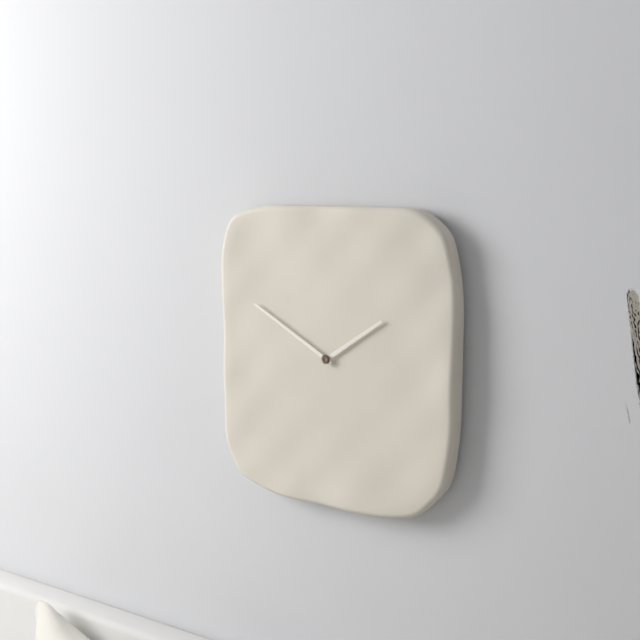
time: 1:50
